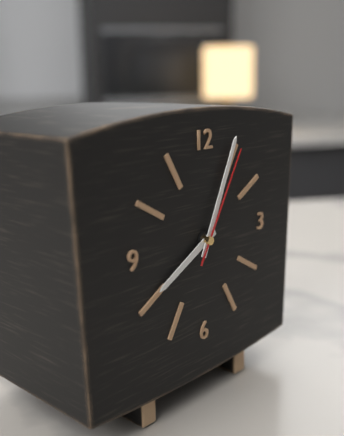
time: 8:04:05
